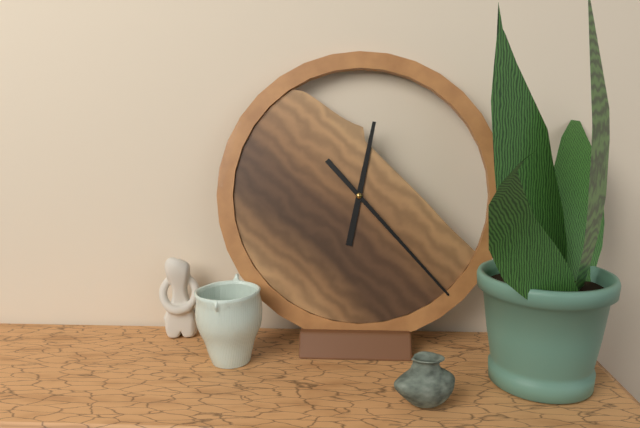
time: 12:23
